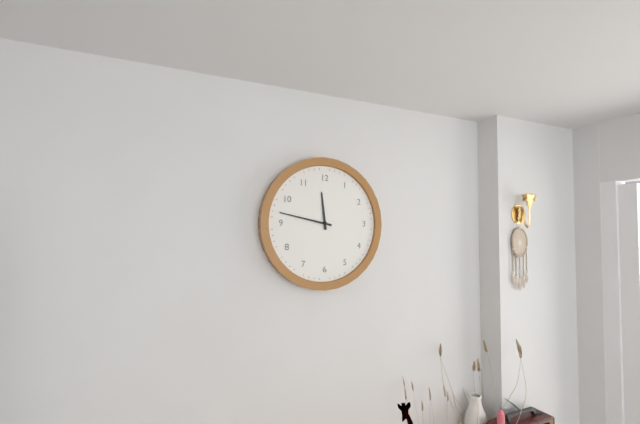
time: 11:47
